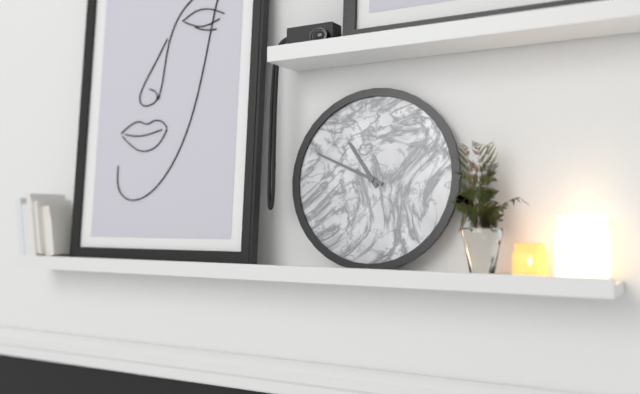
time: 10:49
